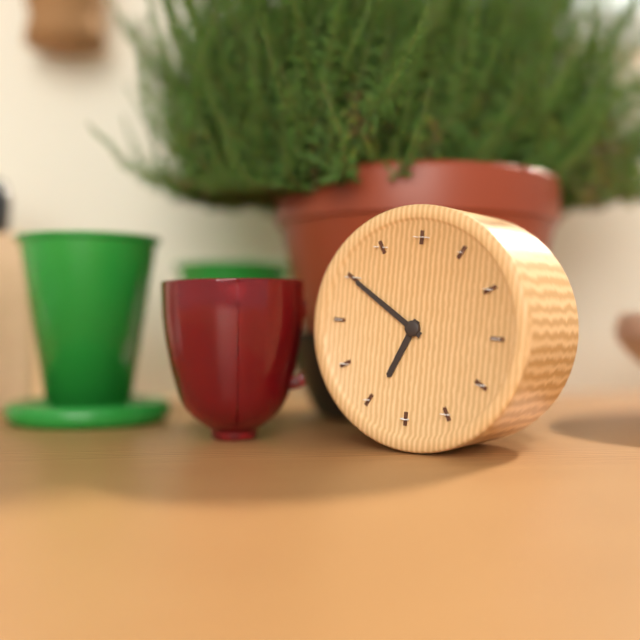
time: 6:50
